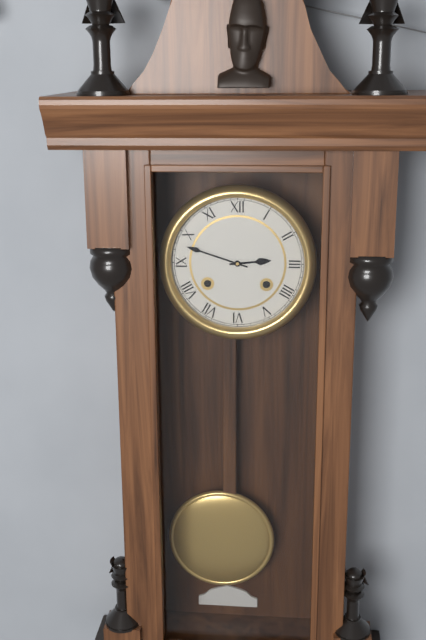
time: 2:48
